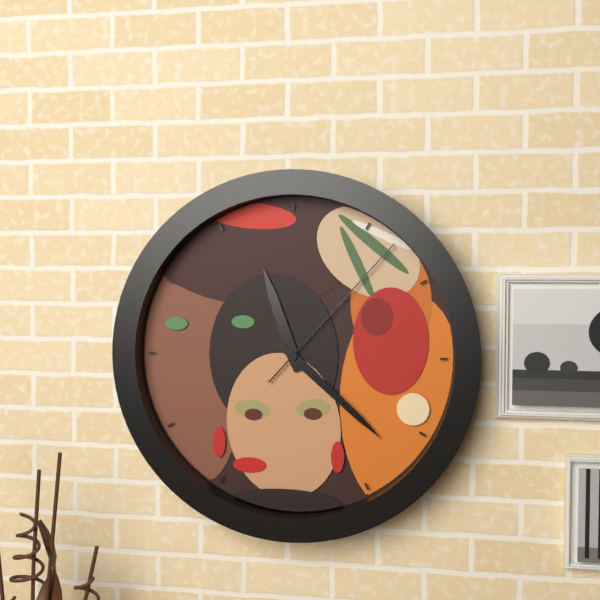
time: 11:22:07
